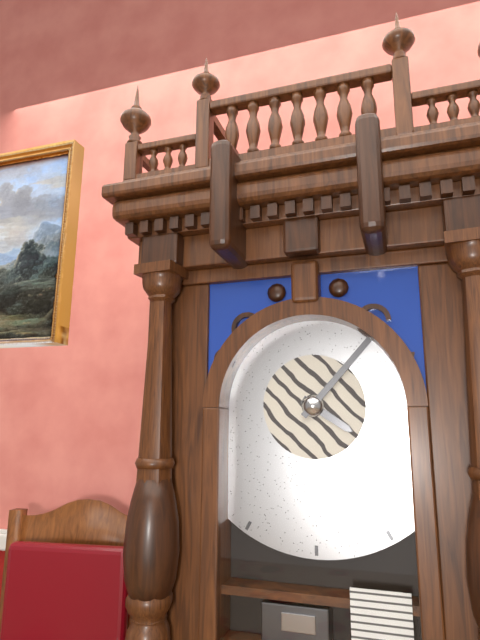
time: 4:07
